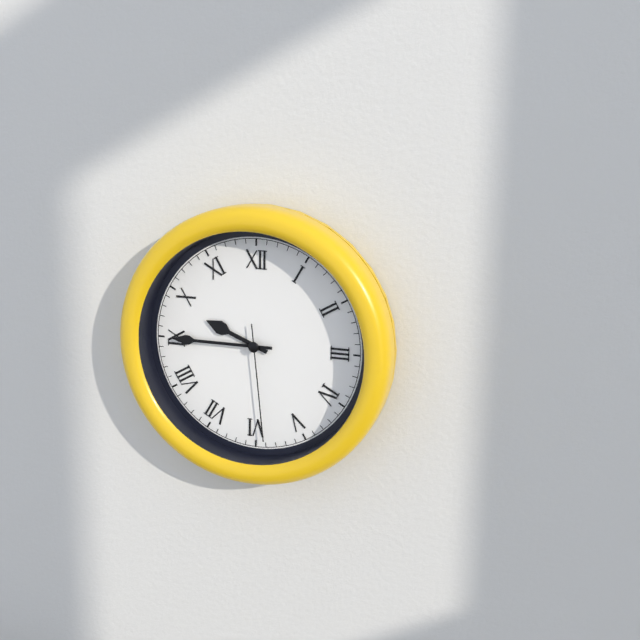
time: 9:45:29
